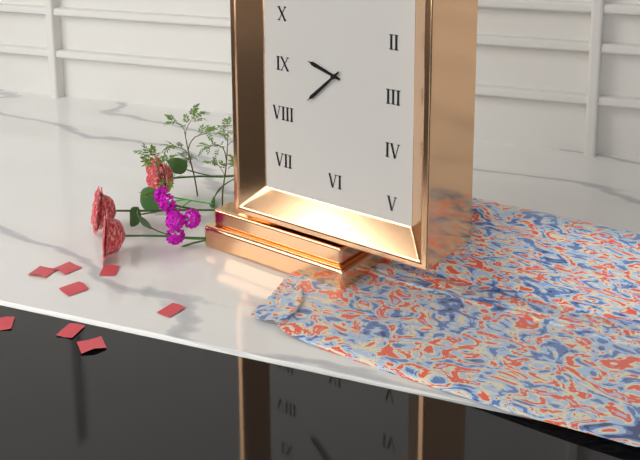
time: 9:38
